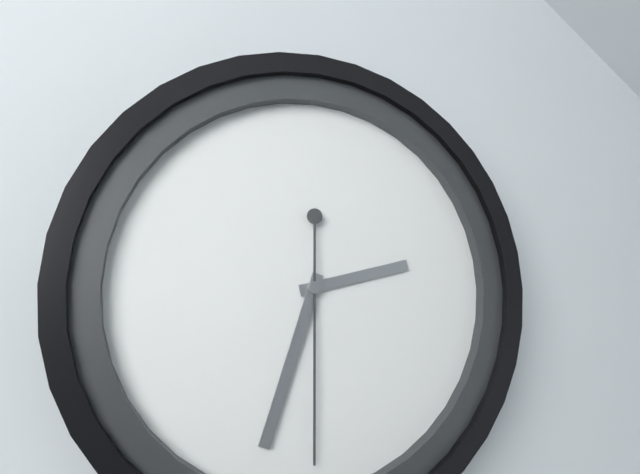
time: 2:33:30
